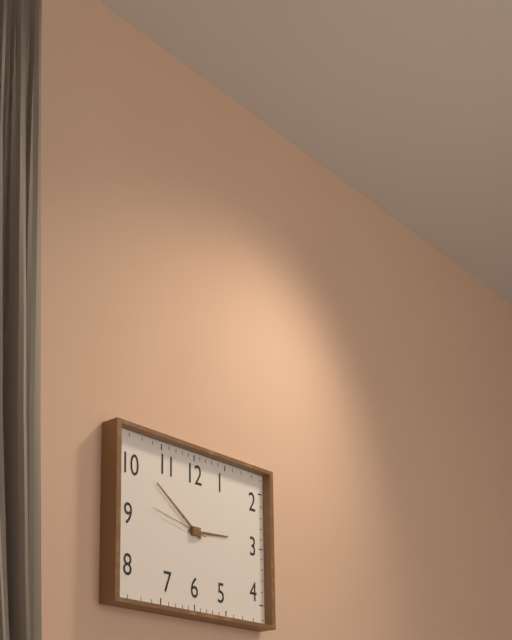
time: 2:51:47
